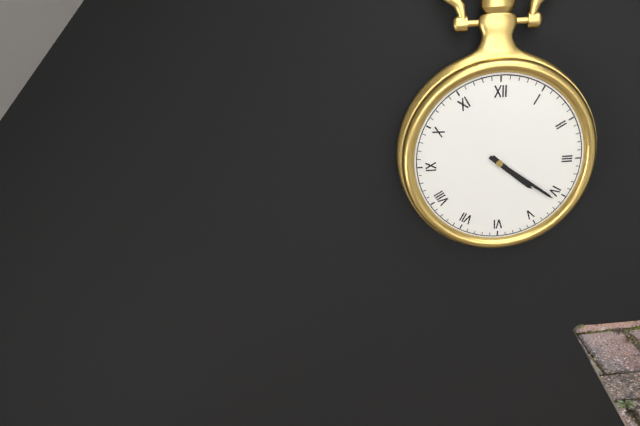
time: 4:21
